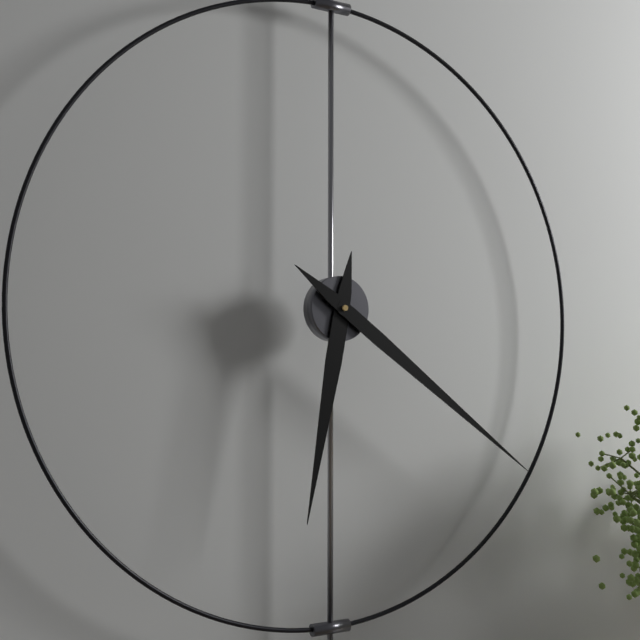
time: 6:21
